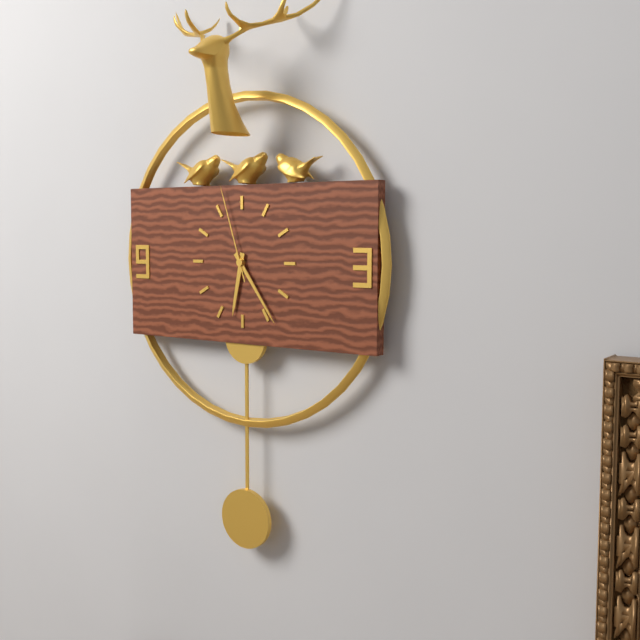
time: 6:24:57
